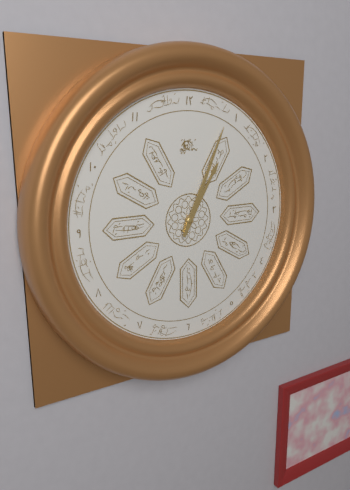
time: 1:04
